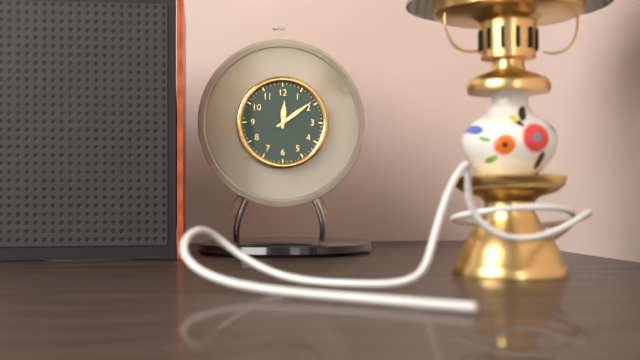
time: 12:09
